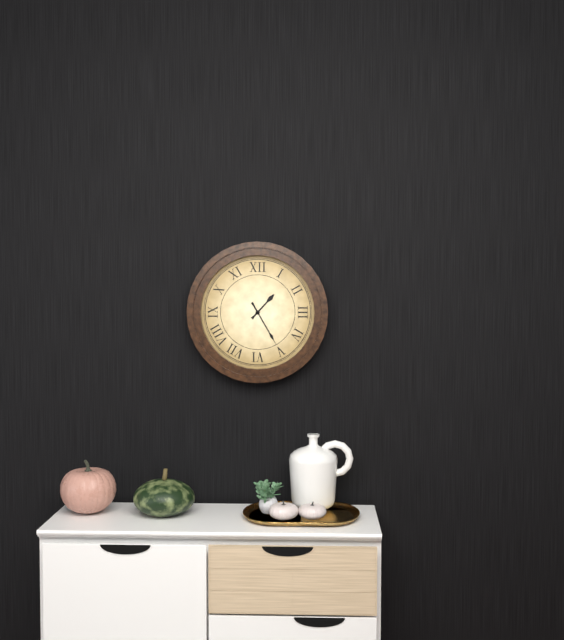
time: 1:25
